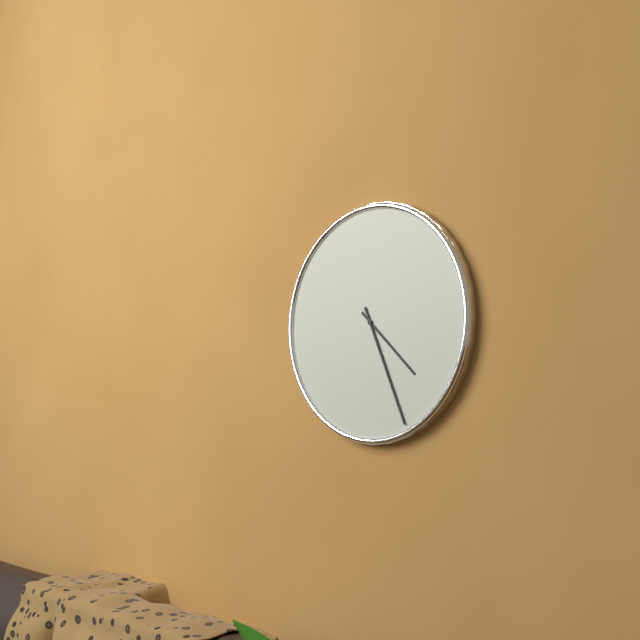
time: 4:26
